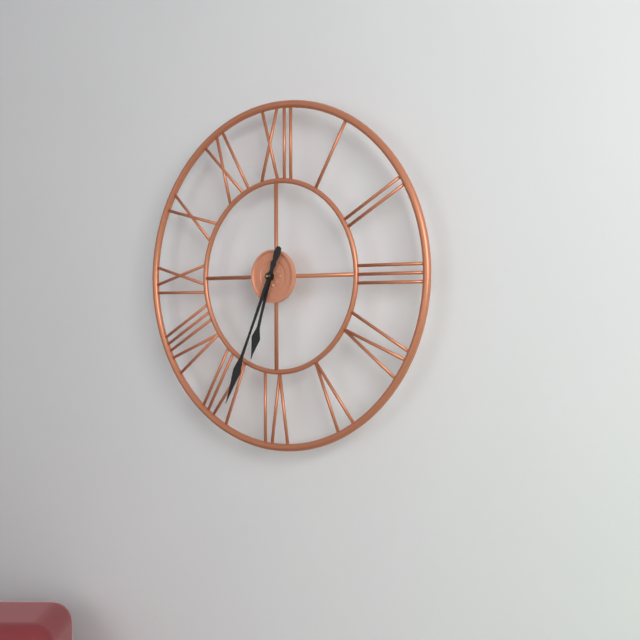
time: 6:34
